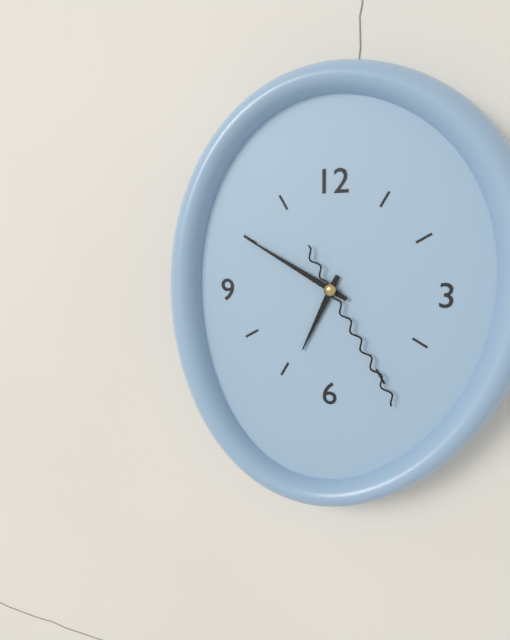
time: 6:50:25
